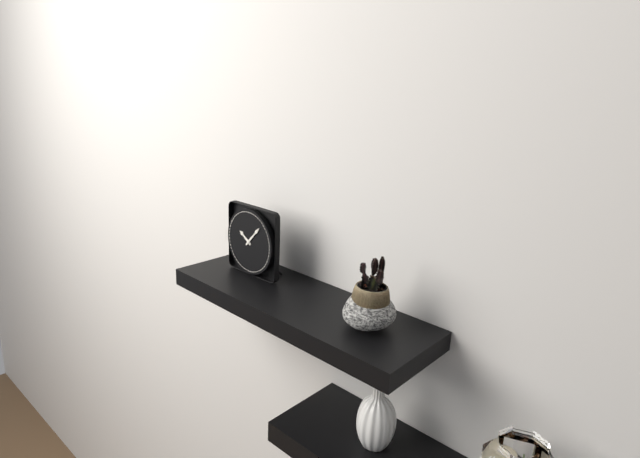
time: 10:07
